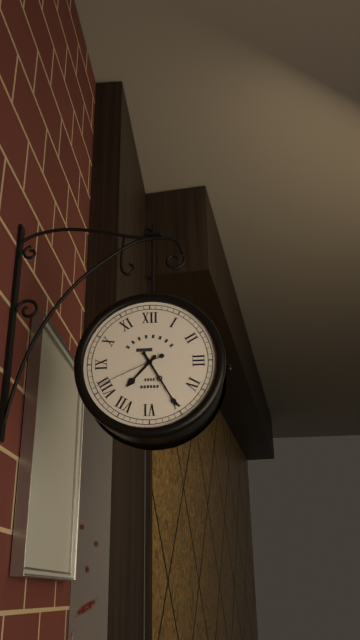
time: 7:25:41
